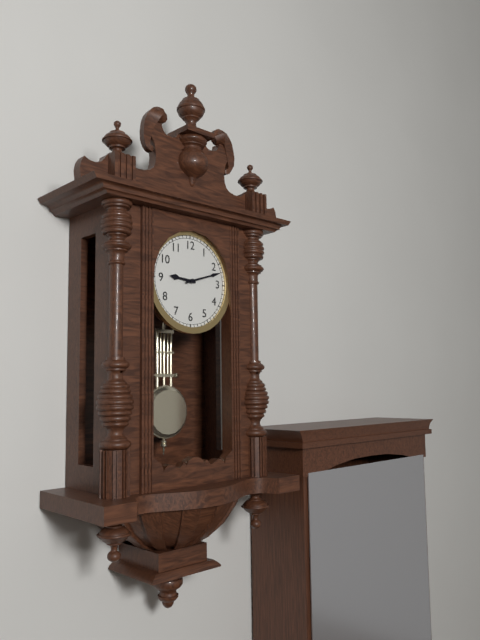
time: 9:12
